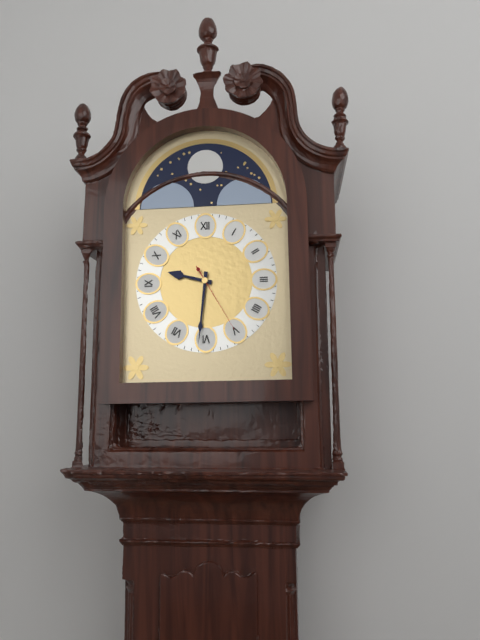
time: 9:31:25
